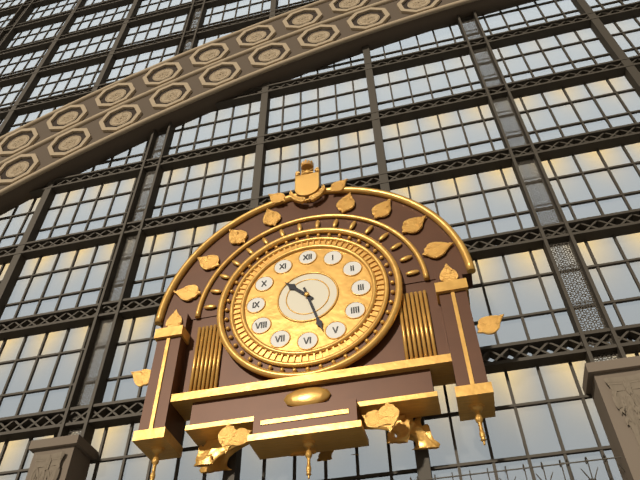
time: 10:27
